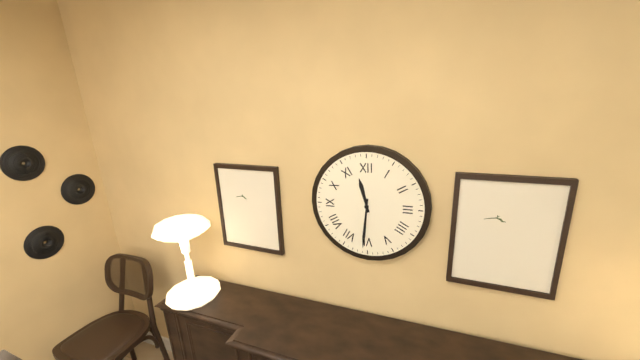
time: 11:31
